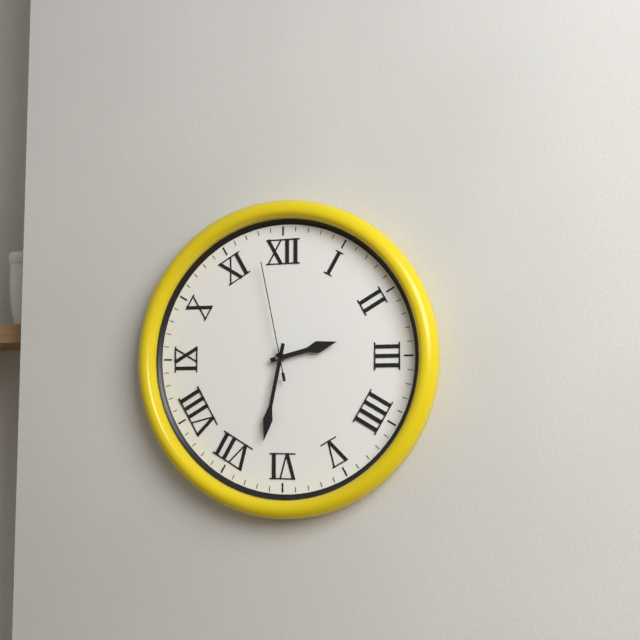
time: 2:32:58
